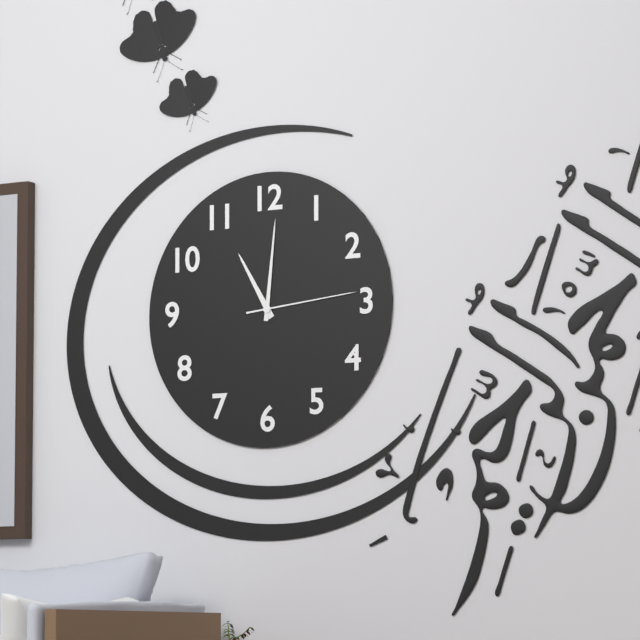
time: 11:01:14
